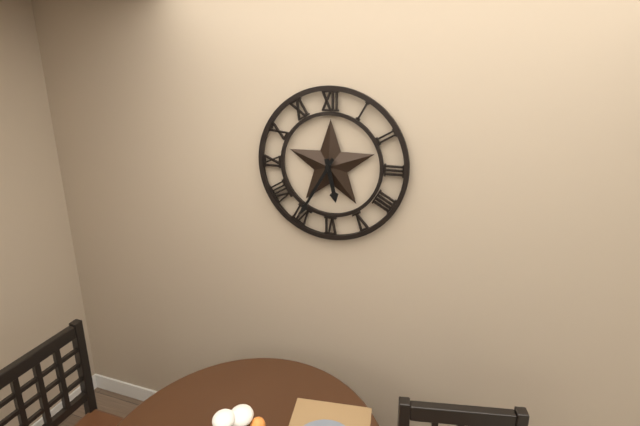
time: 5:35
